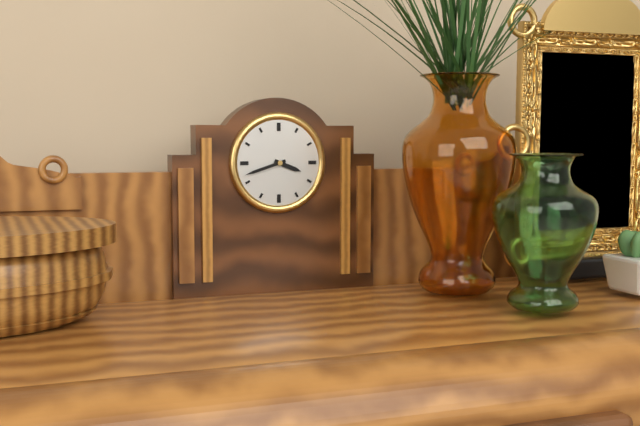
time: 3:42
